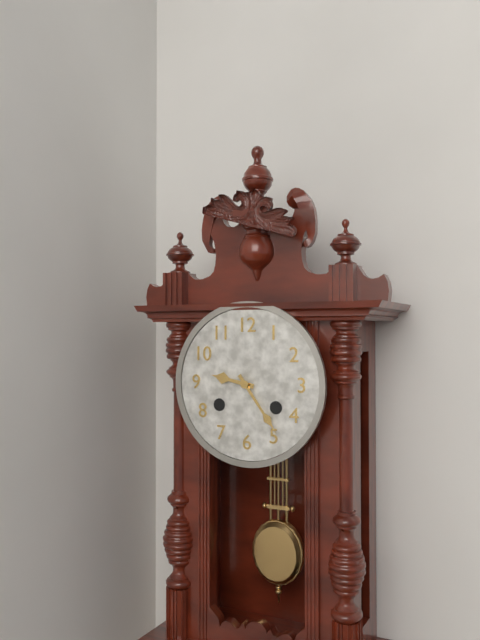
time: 9:24
